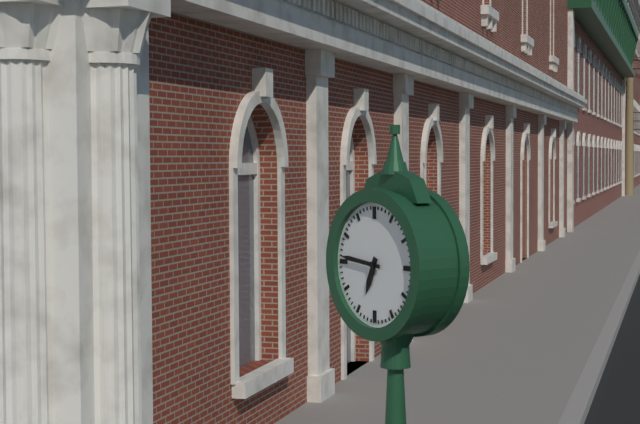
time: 6:46
